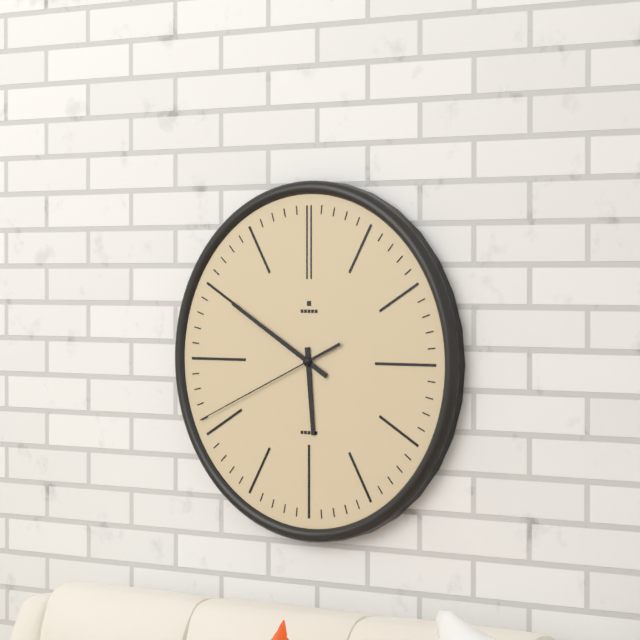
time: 5:50:41
